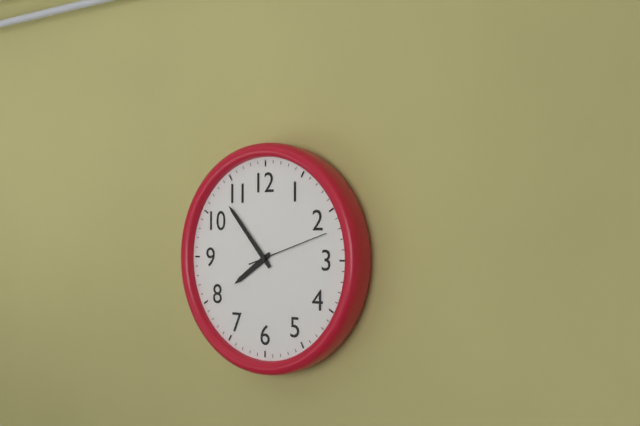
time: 7:53:12
